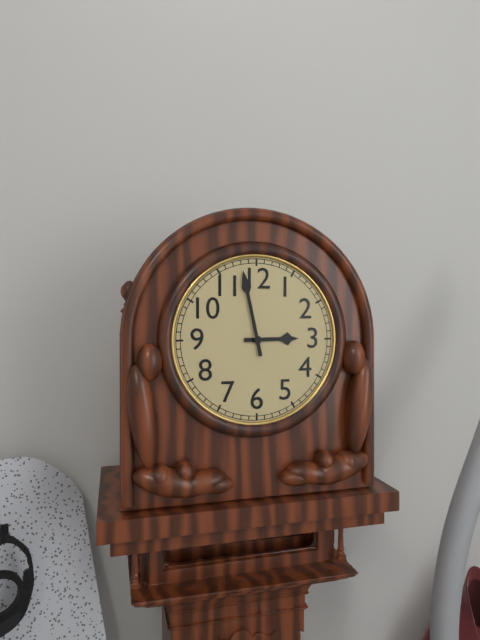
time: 2:58
